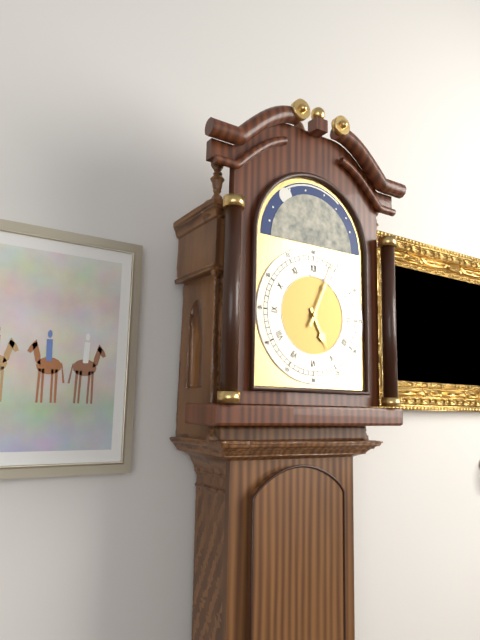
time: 5:04
